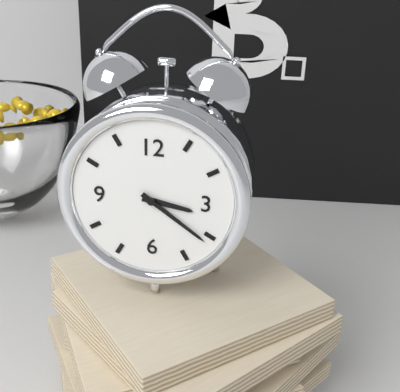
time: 3:21
